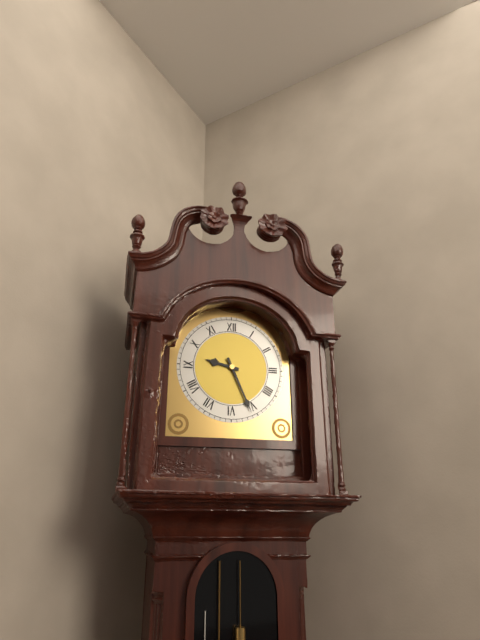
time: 9:26
